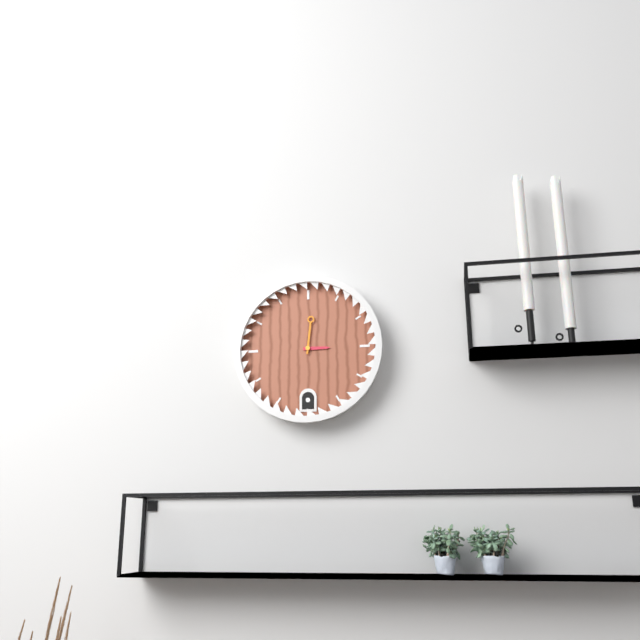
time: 3:01
